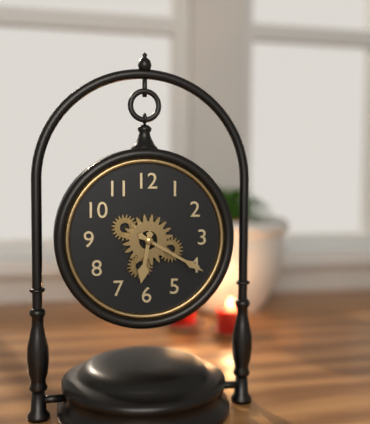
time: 6:20
